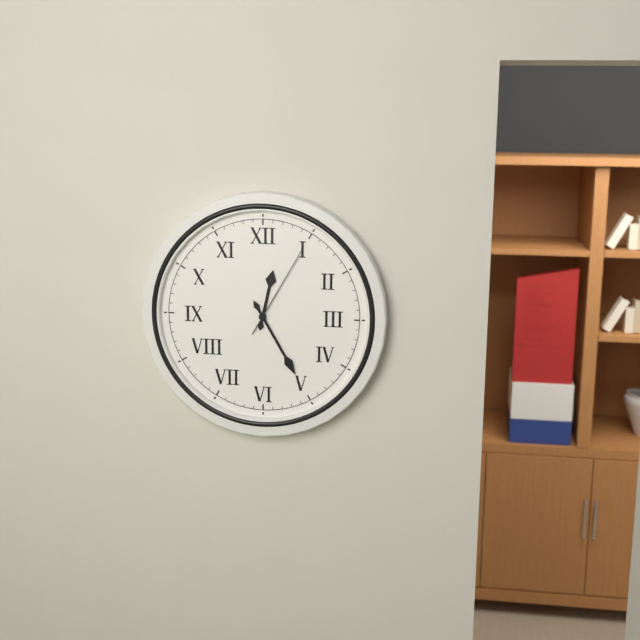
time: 12:25:05
